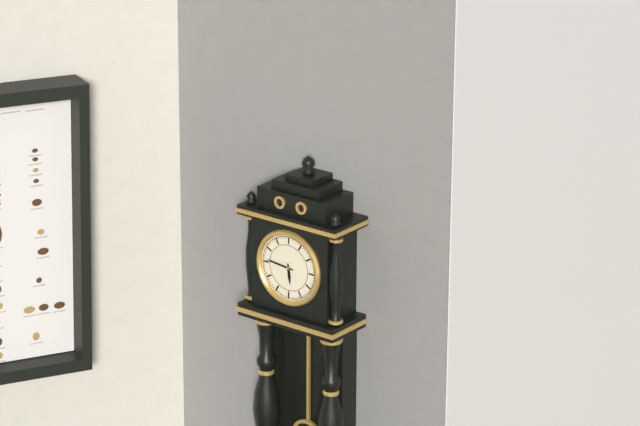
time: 5:46
